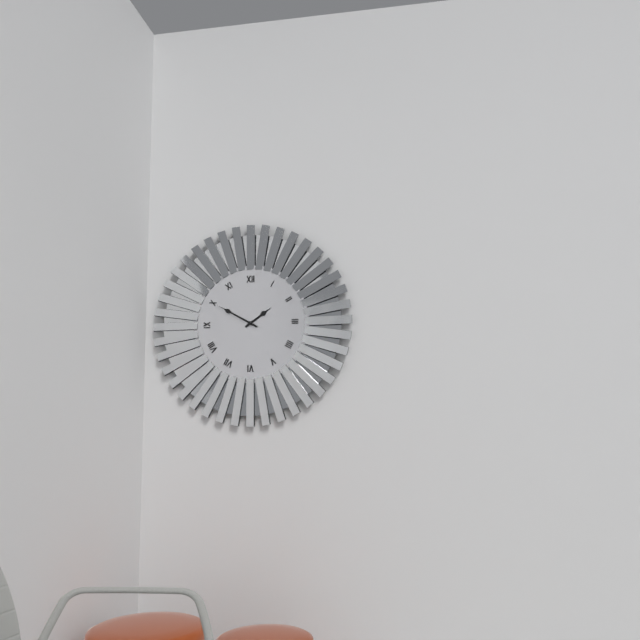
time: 1:50
